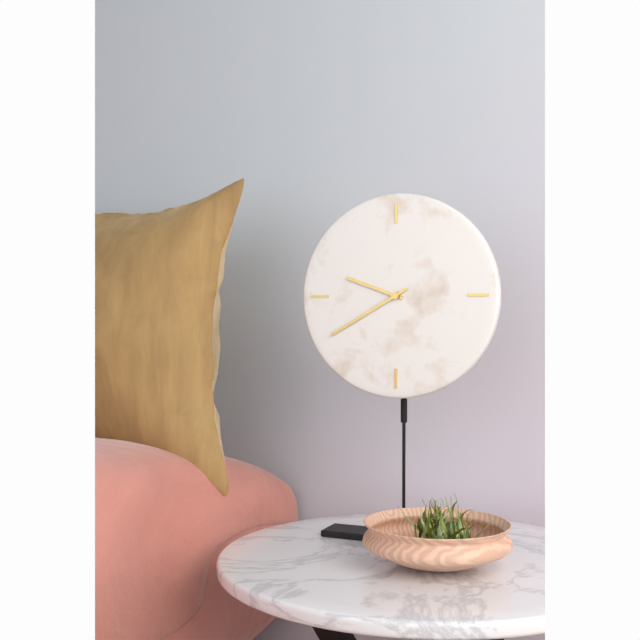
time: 9:40
